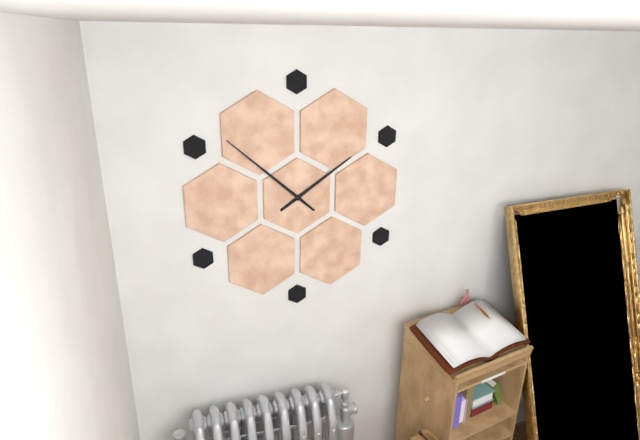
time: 1:52
